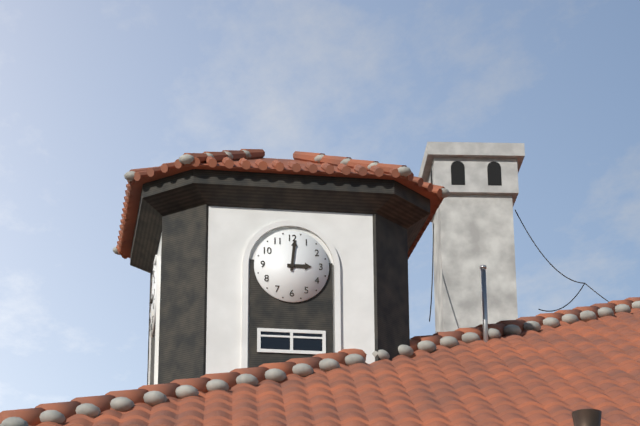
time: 3:01
